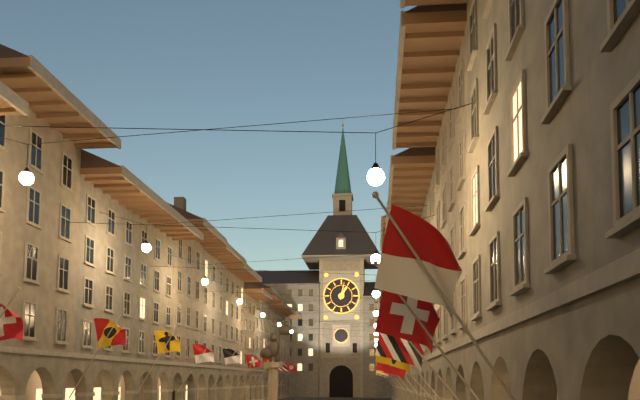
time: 1:02
